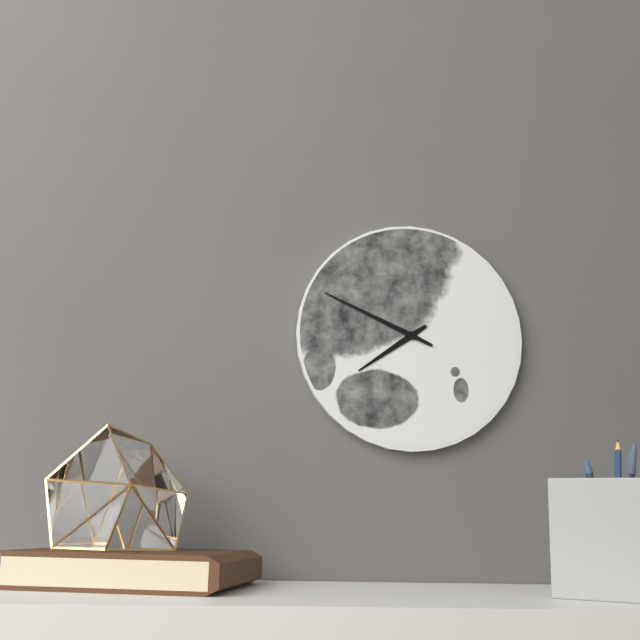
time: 7:49
